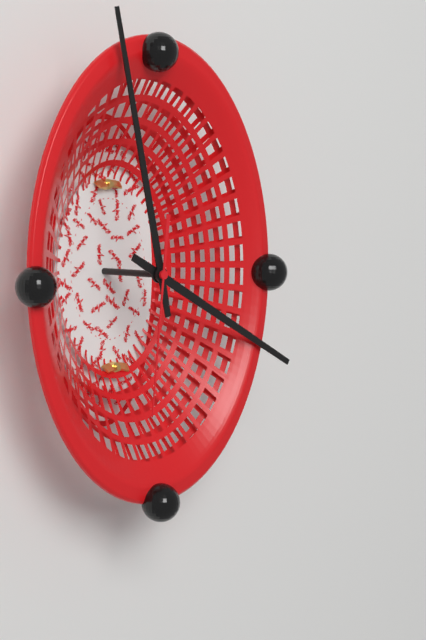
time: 3:58:31
